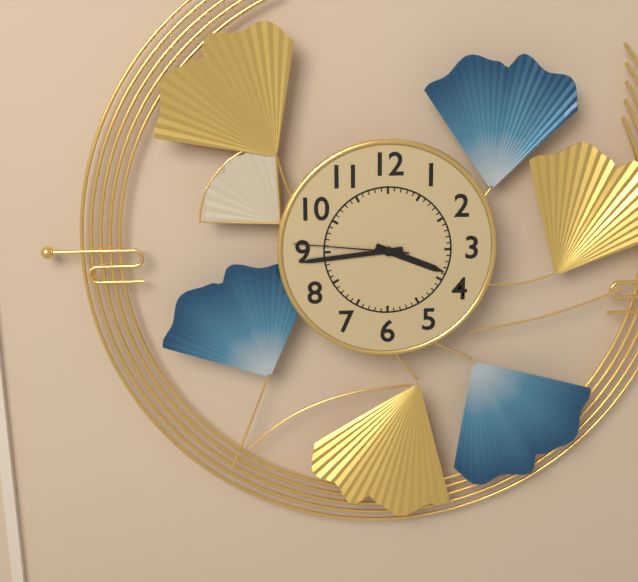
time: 3:44:46
